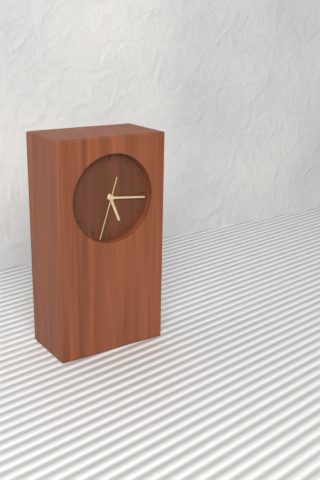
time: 5:16:33
